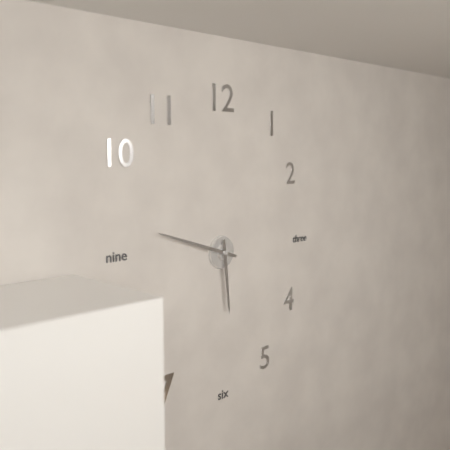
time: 5:48
